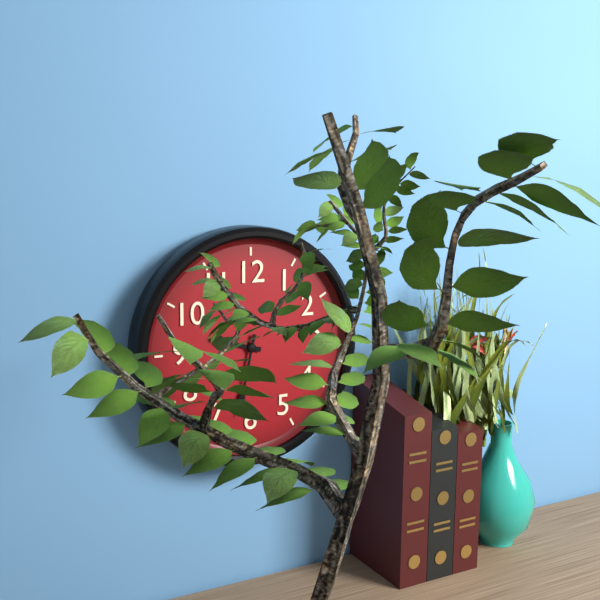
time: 9:32
